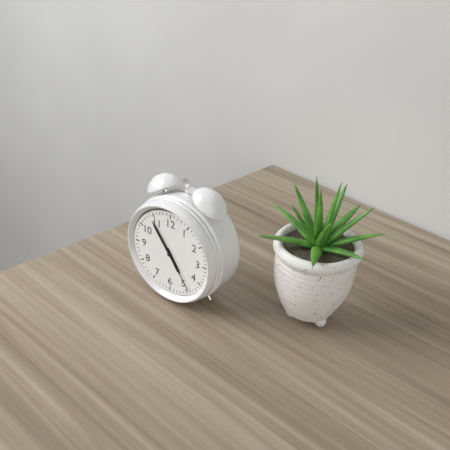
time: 4:54:24
